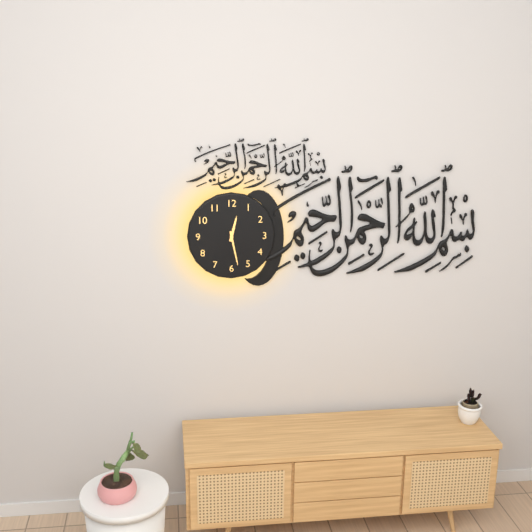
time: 12:28
